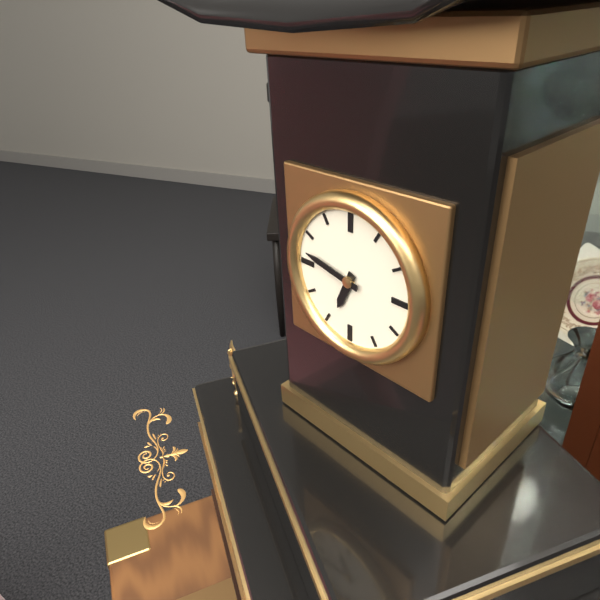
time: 6:47
